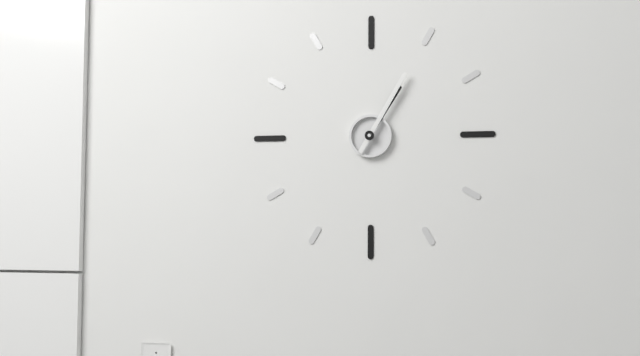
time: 1:05
